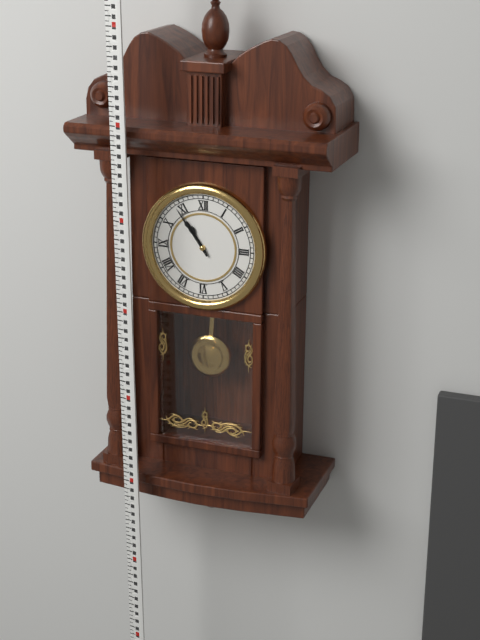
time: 10:54
